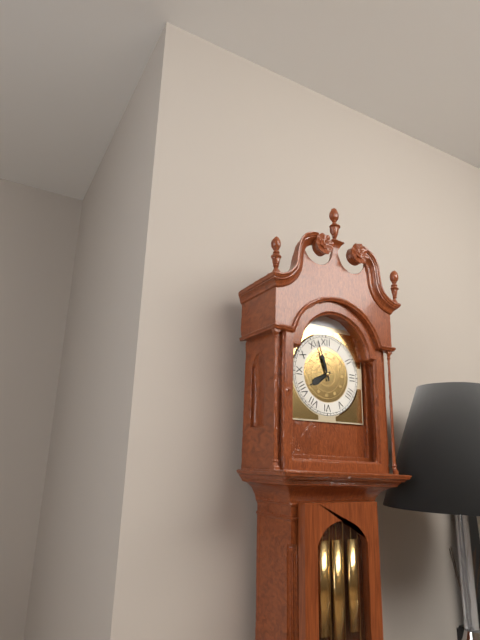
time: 7:57
